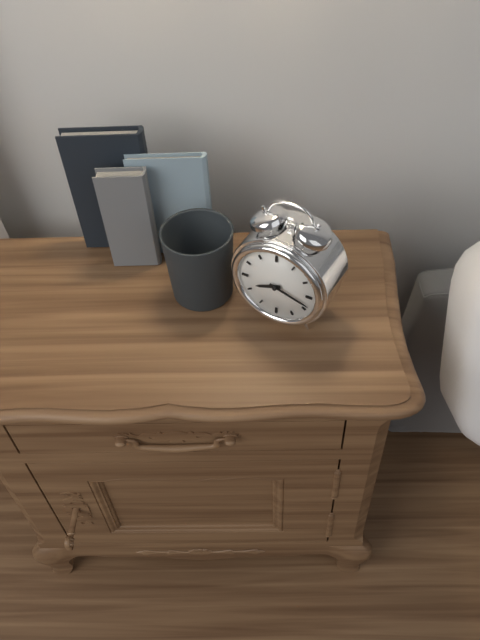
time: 8:18
